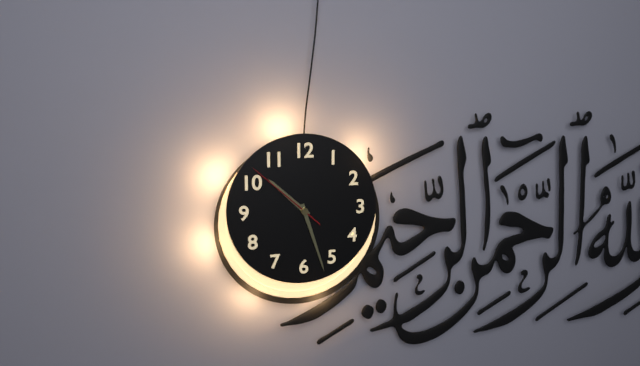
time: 10:27:52
